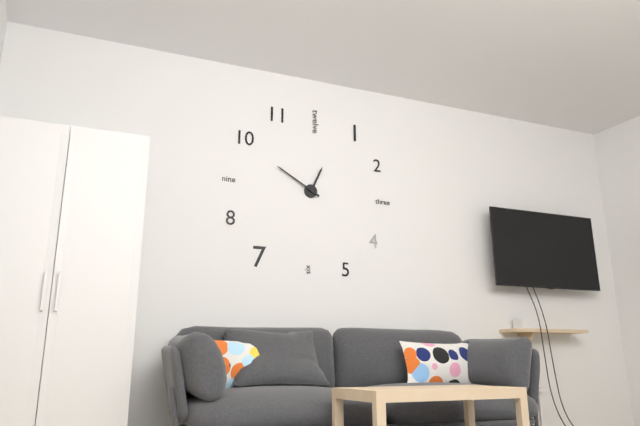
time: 12:50
